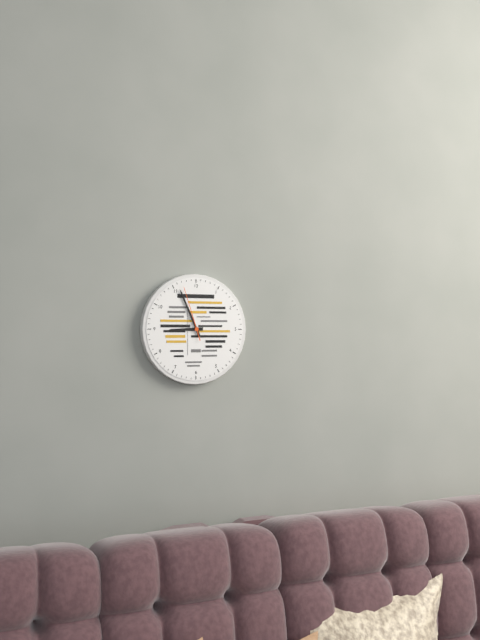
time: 8:56:57
